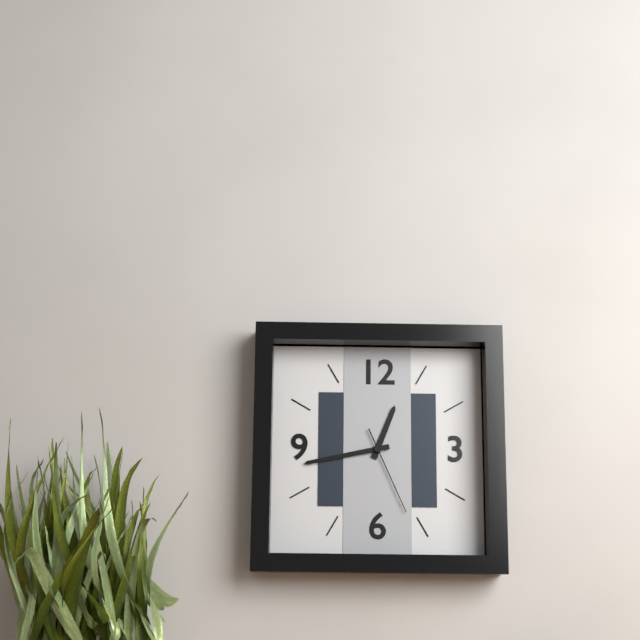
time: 12:43:26
